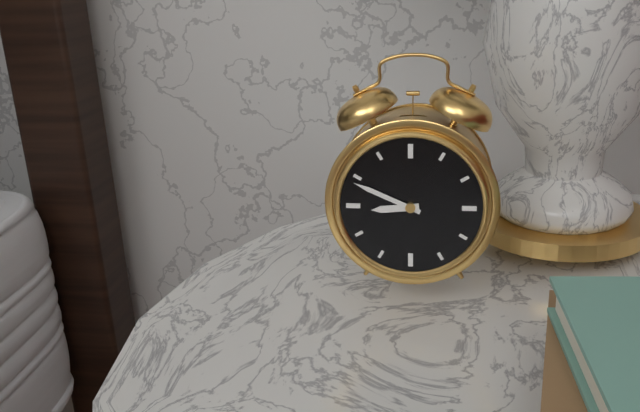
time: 8:49
